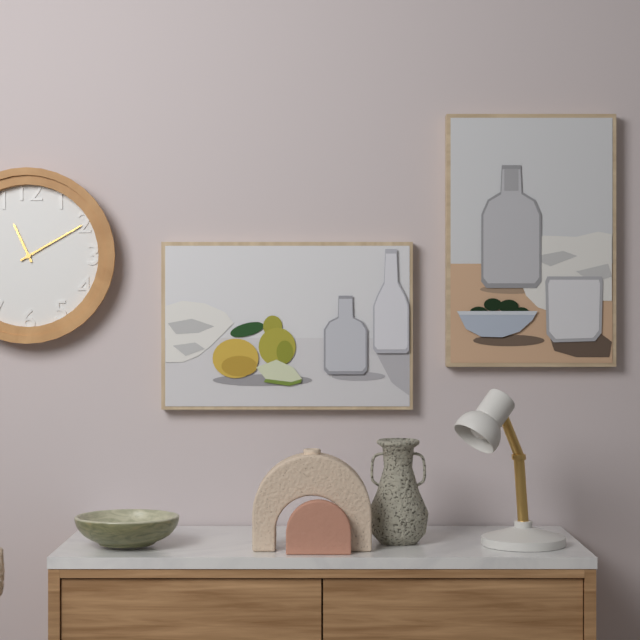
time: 11:10
